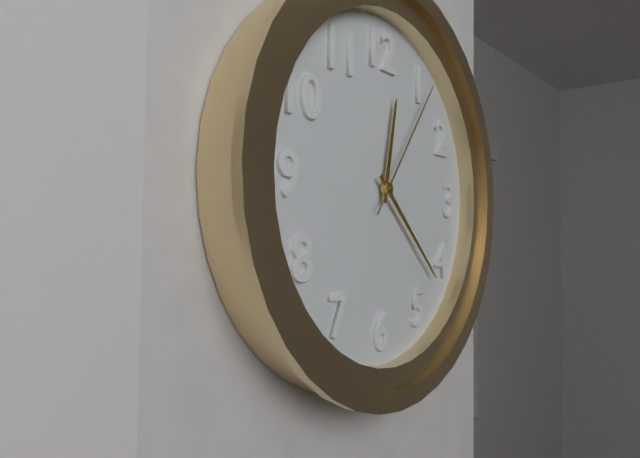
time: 12:22:06
